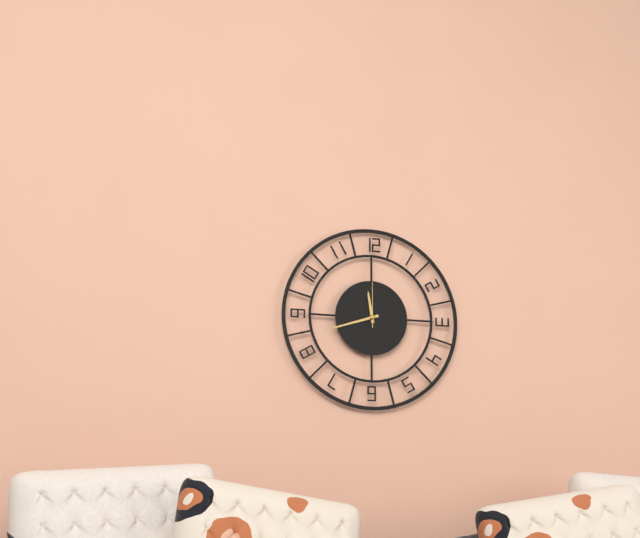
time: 11:42
